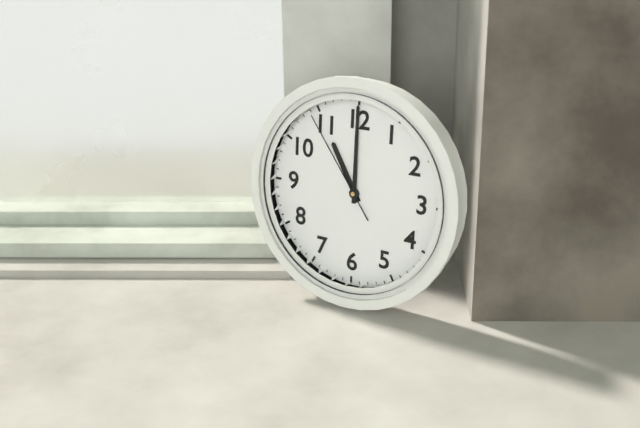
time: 11:00:54
